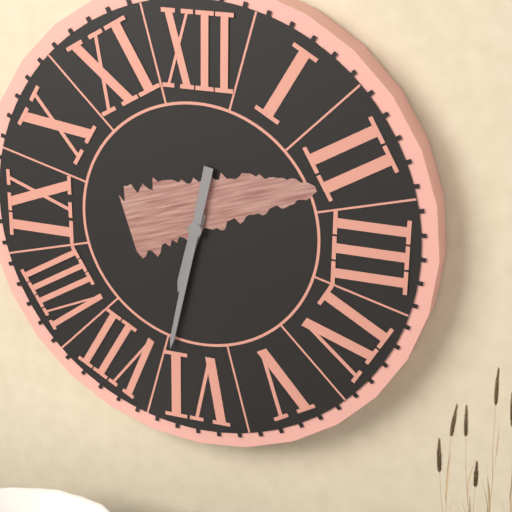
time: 6:32
